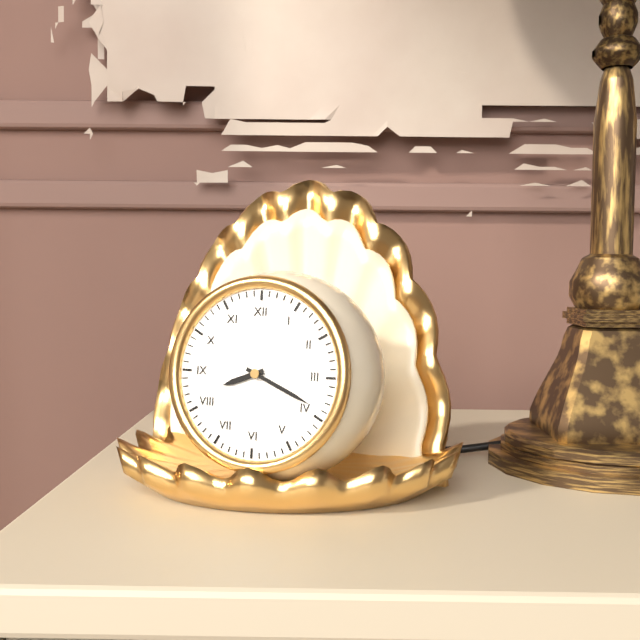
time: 8:19
